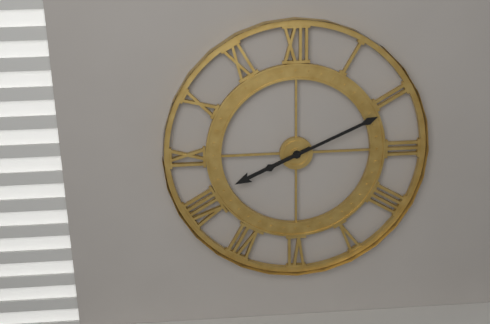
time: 8:11
